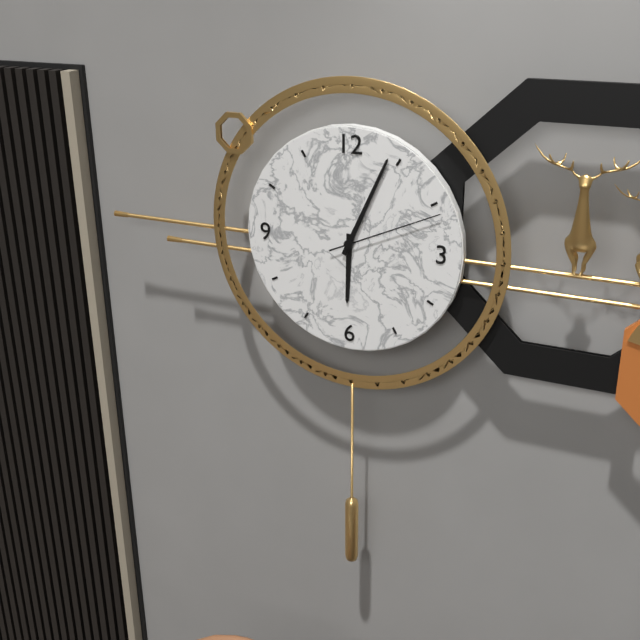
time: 6:04:11
